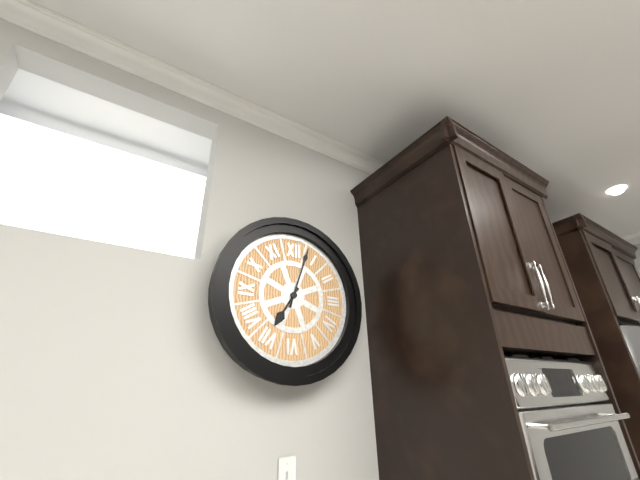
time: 7:03
